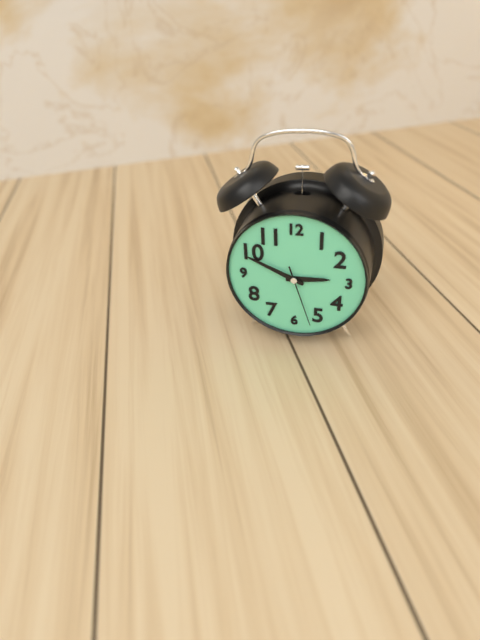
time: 2:49:27
